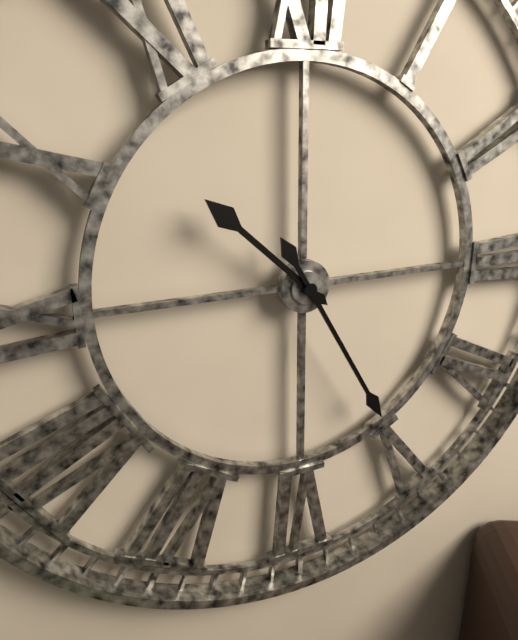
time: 10:25
